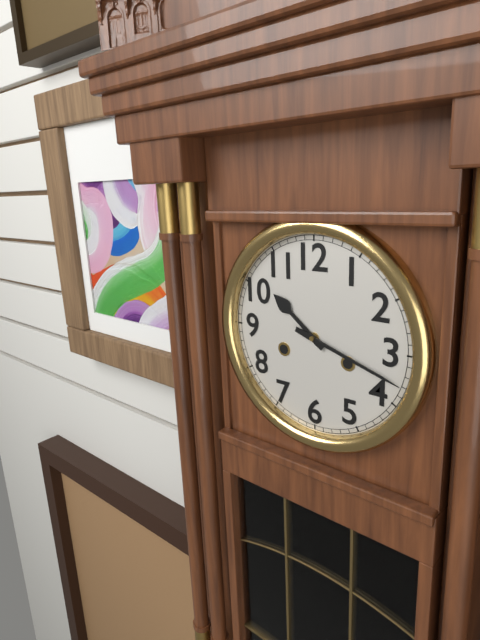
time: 10:18
